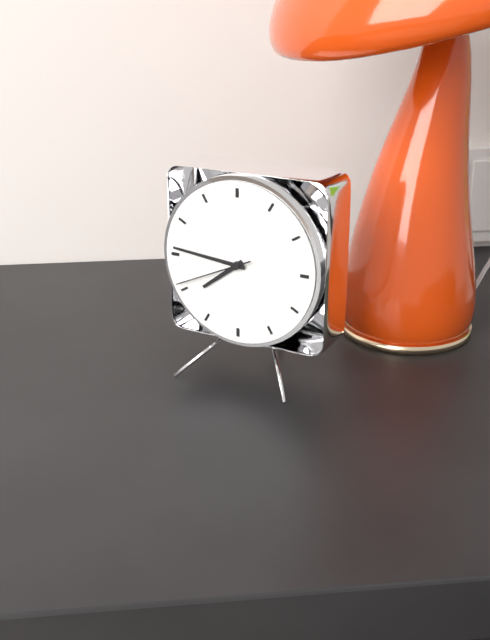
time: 7:46:41
